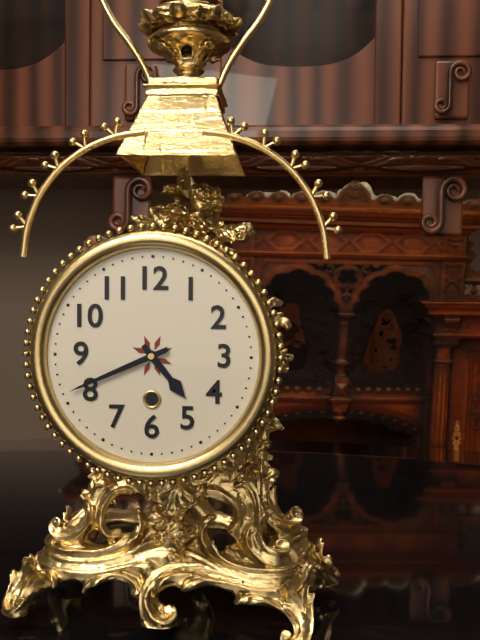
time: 4:41
